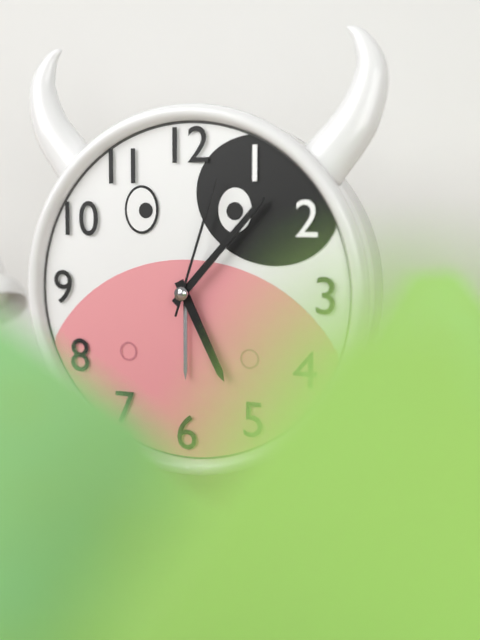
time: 5:07:03
